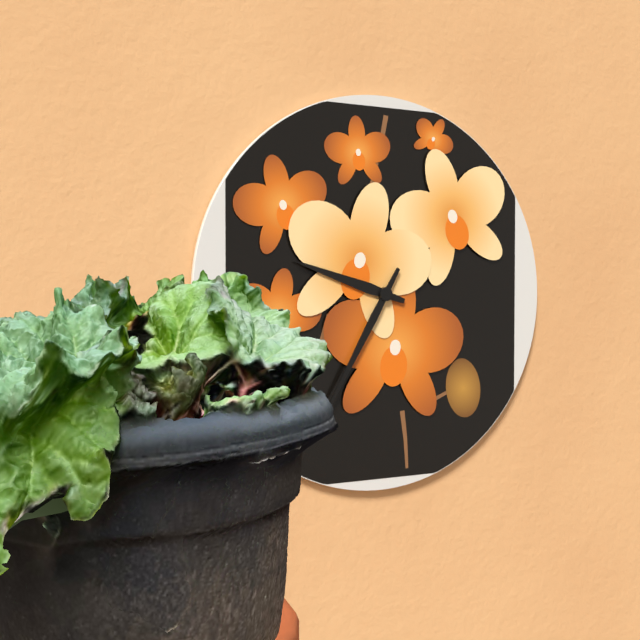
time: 9:35
